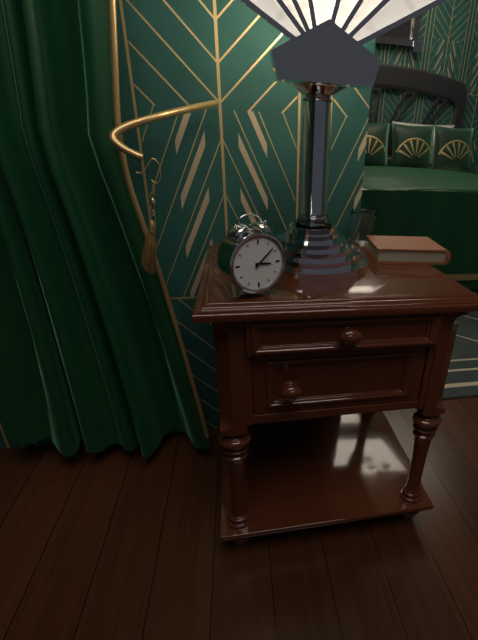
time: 3:08
